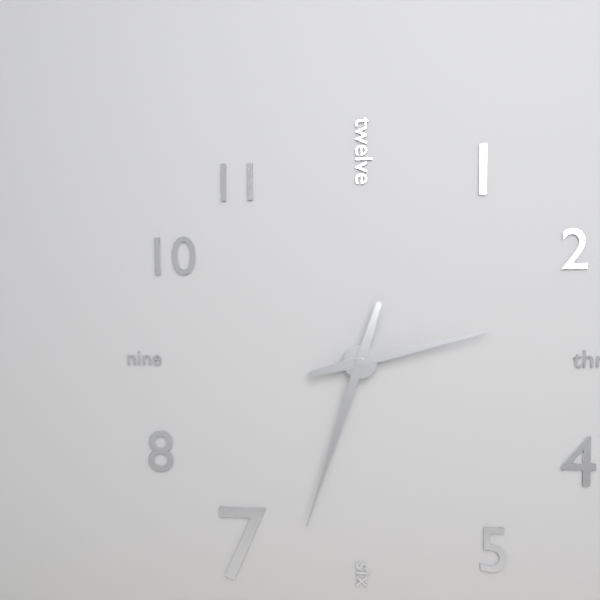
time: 2:33
